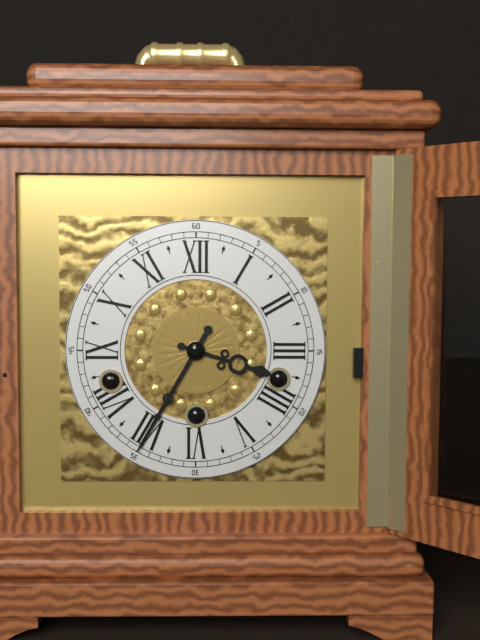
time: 3:35
